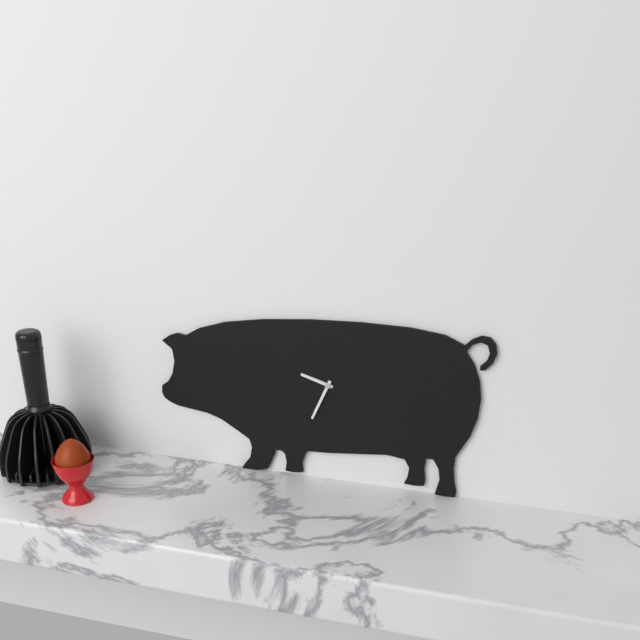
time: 9:34
